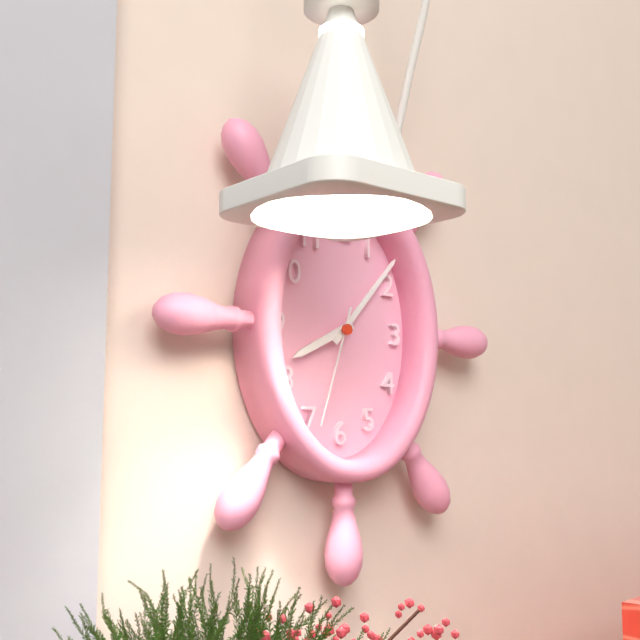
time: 8:07:33
